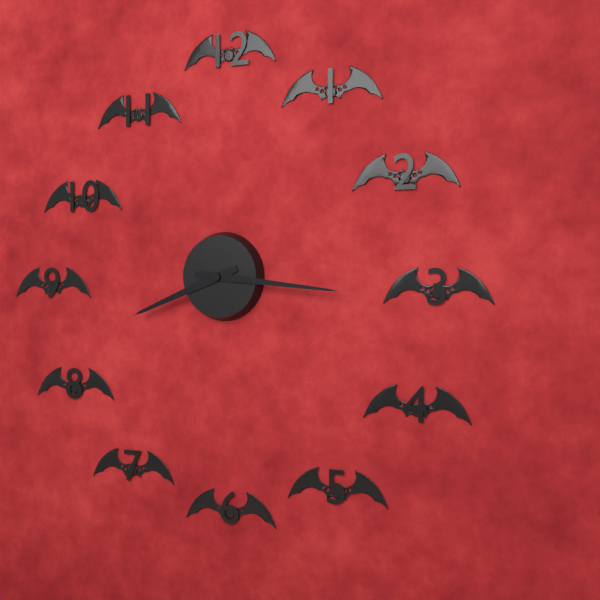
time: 8:16
